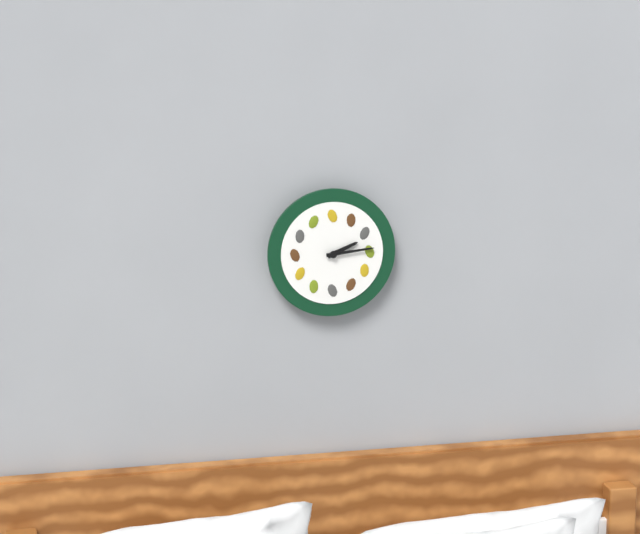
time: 2:14
